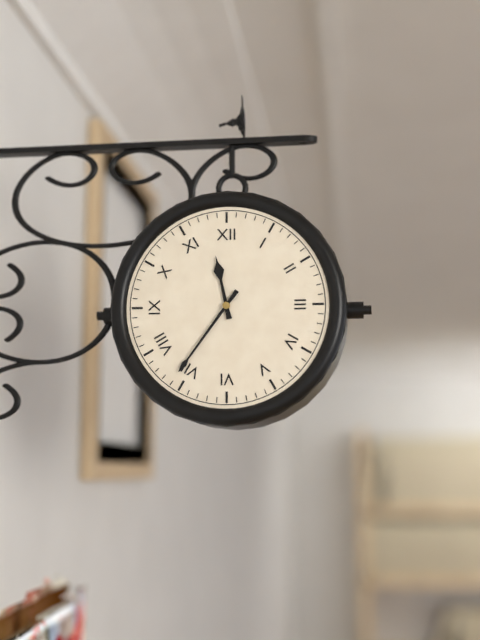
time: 11:36
